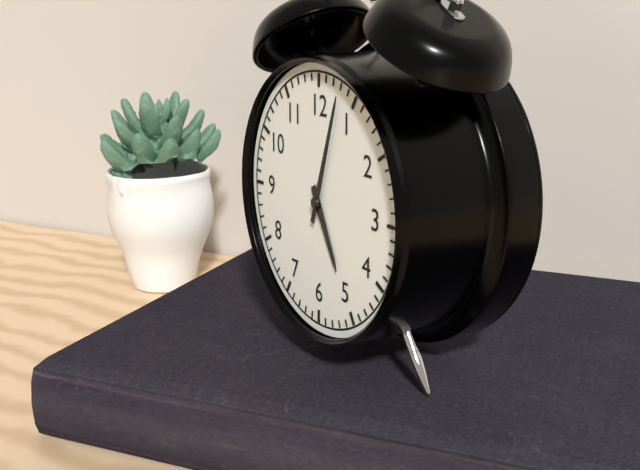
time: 5:03
